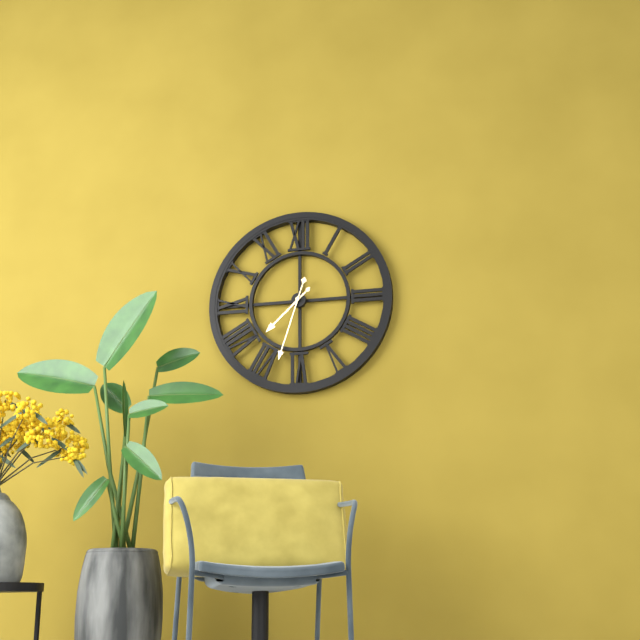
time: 7:33
